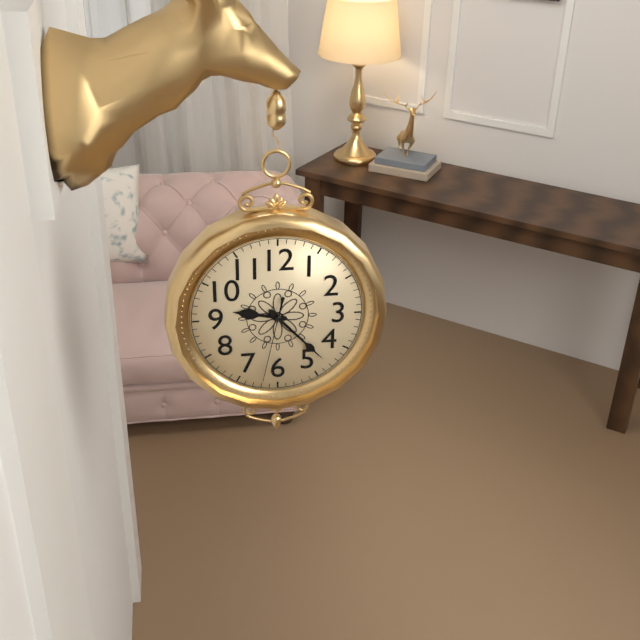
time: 9:23:32
